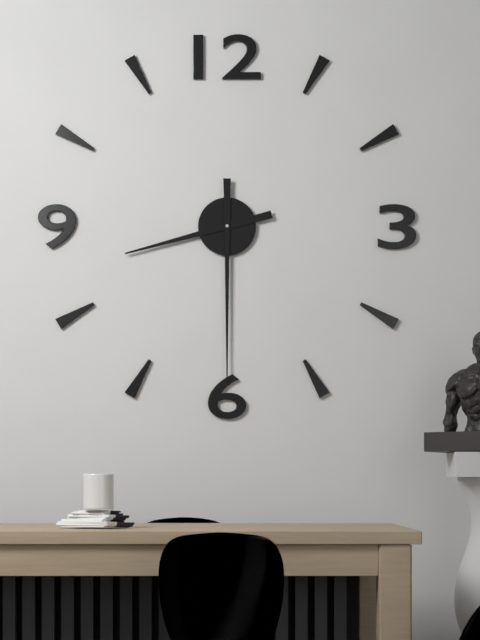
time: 8:30
